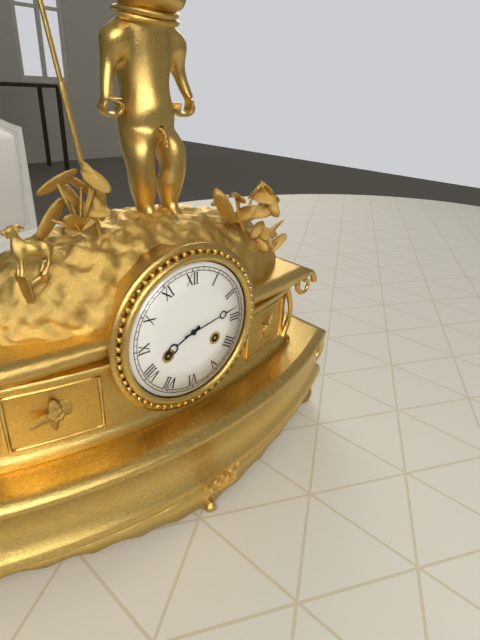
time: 8:13
